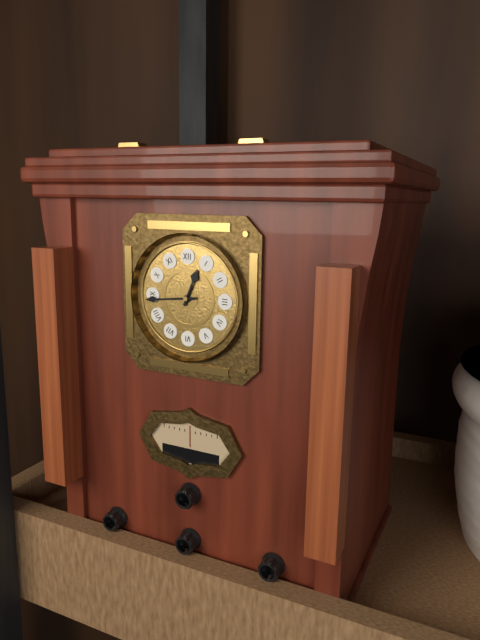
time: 12:44
